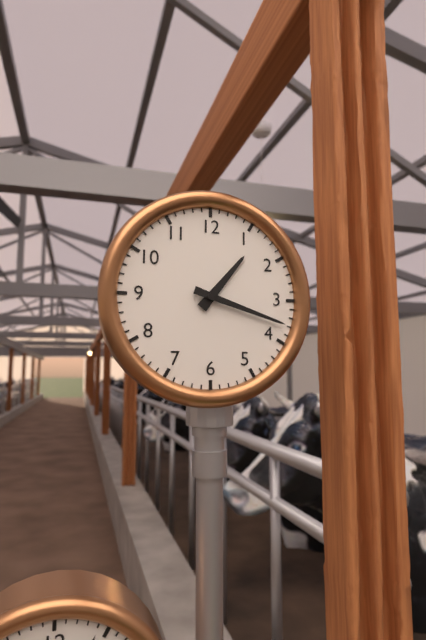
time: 1:18
